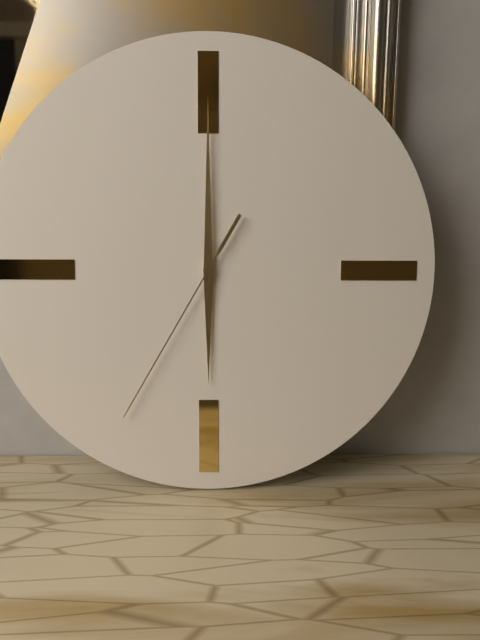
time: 6:00:35
